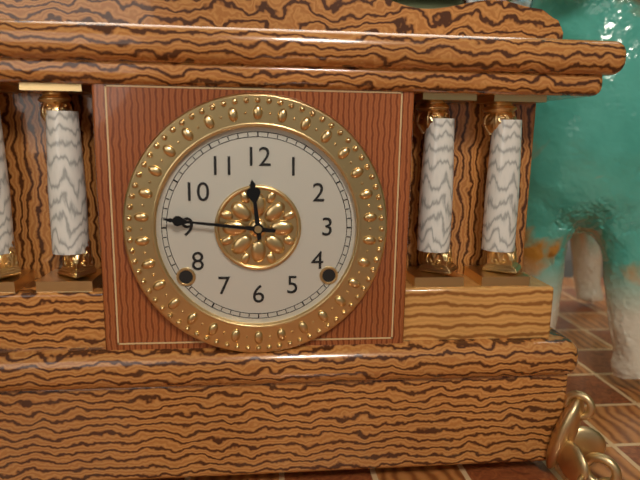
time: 11:46
